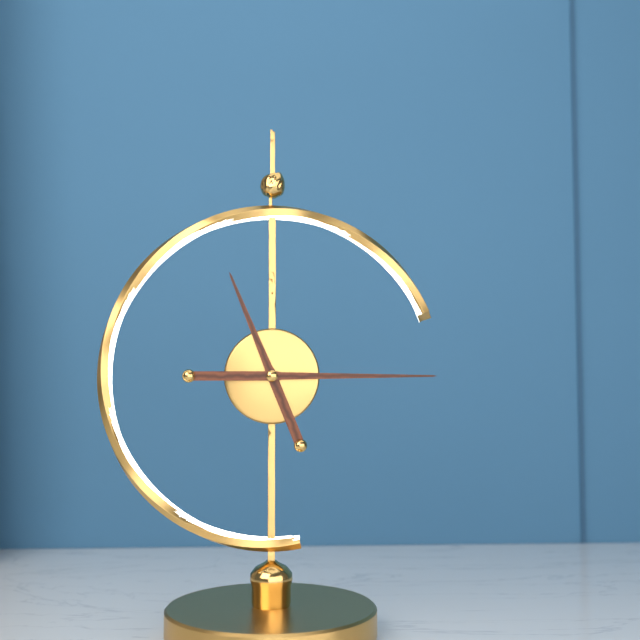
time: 11:15
